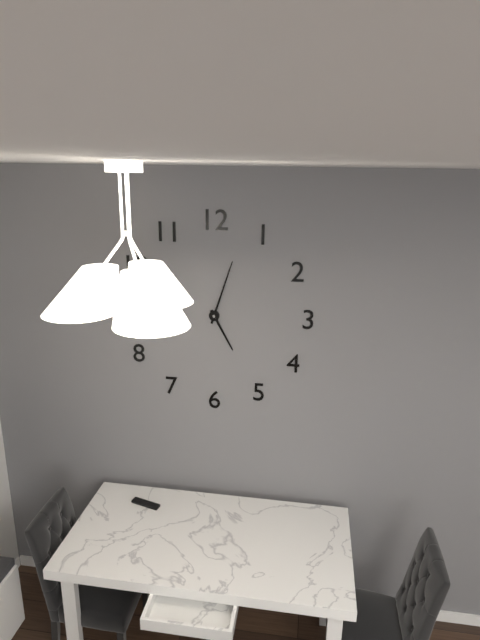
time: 5:03
